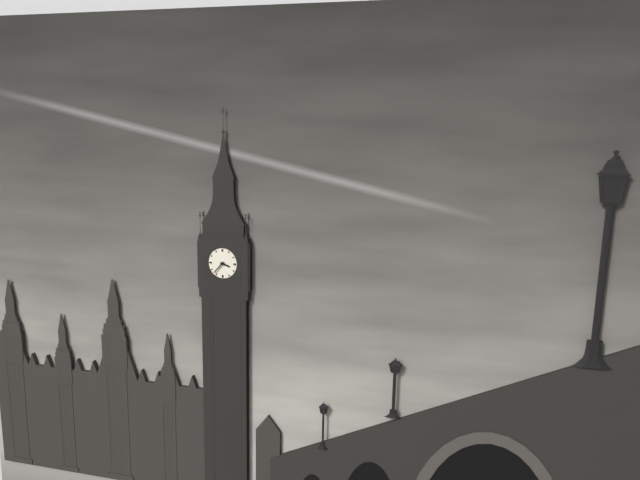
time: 3:37
